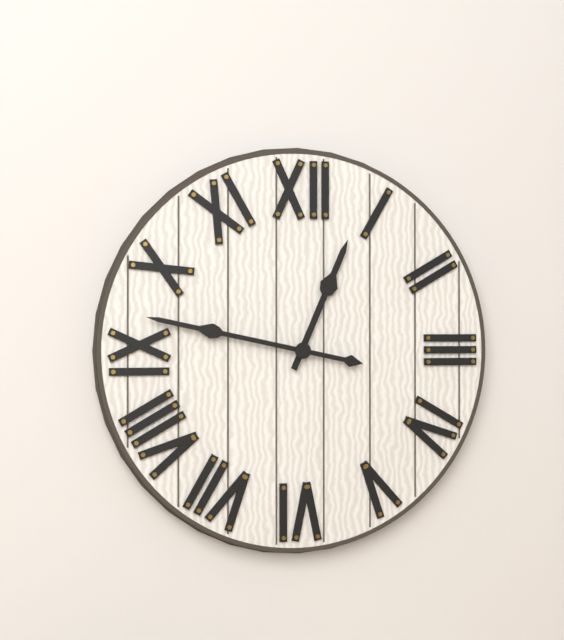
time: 12:47
